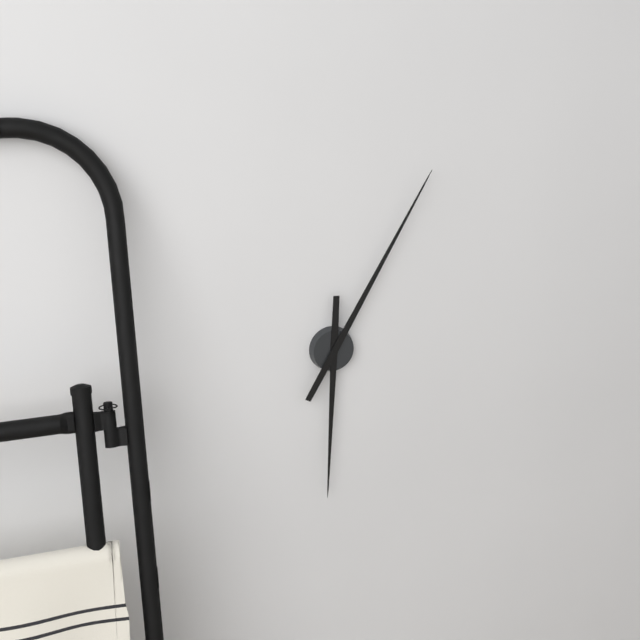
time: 6:05
